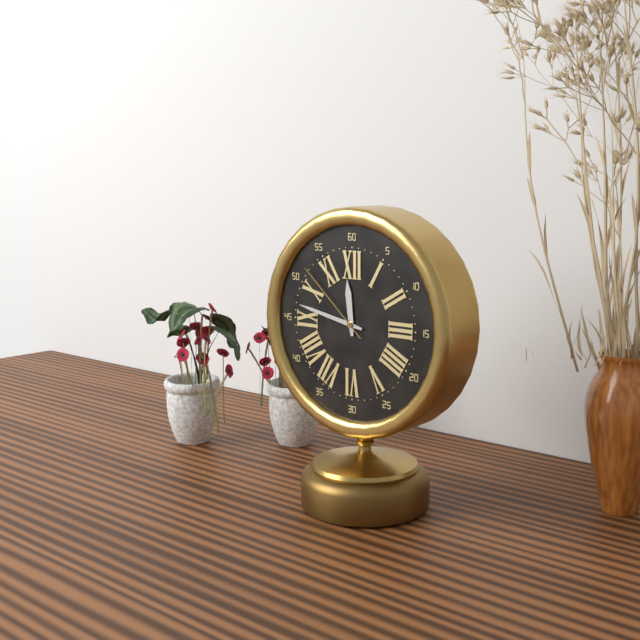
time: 11:47:52
